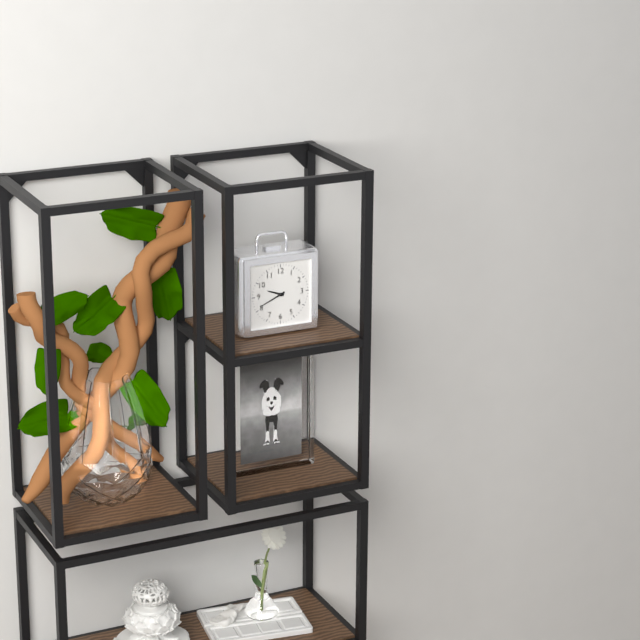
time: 9:41
